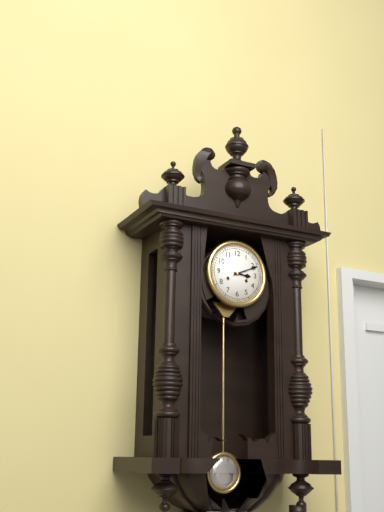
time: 3:11
